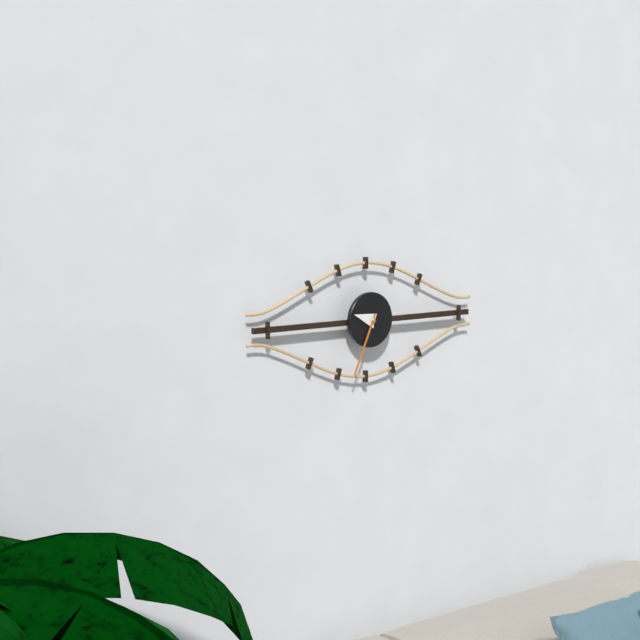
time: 9:34
